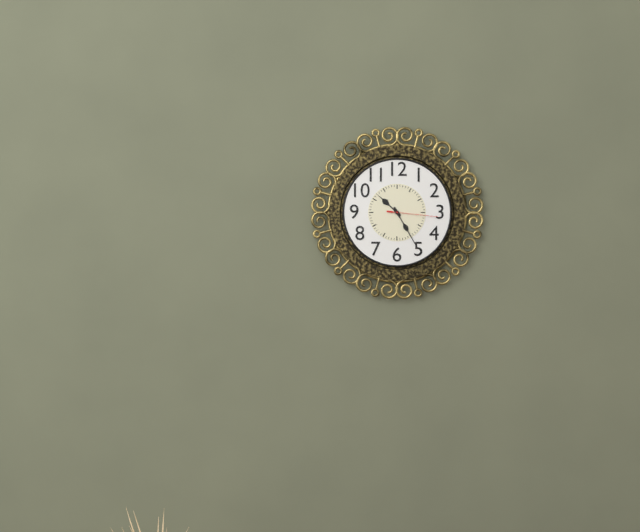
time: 10:25:16
